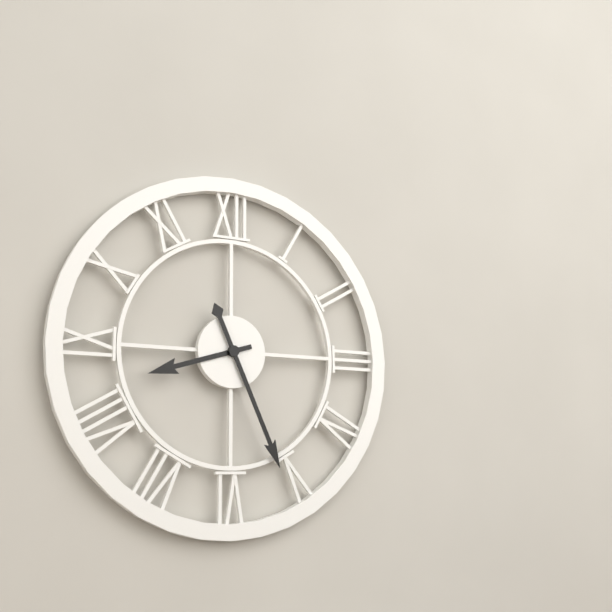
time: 8:26
